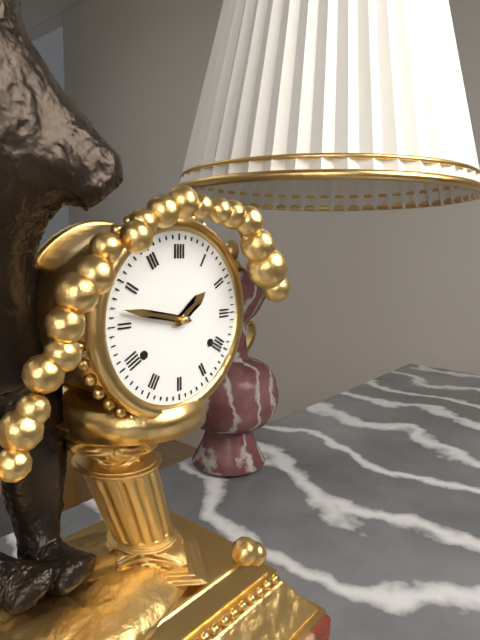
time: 1:47
